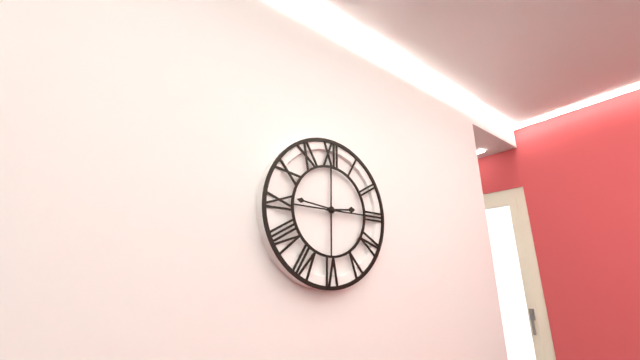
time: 2:46
